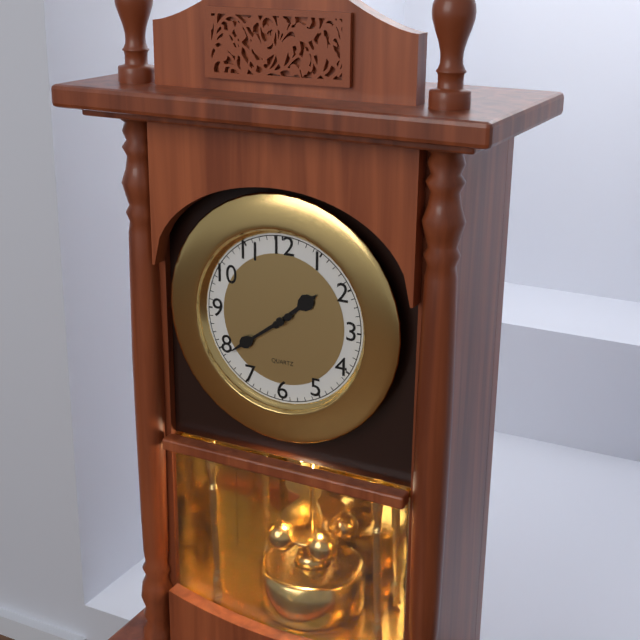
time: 1:39
